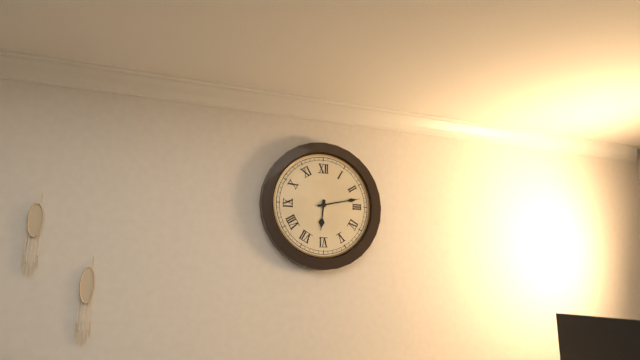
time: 6:13
